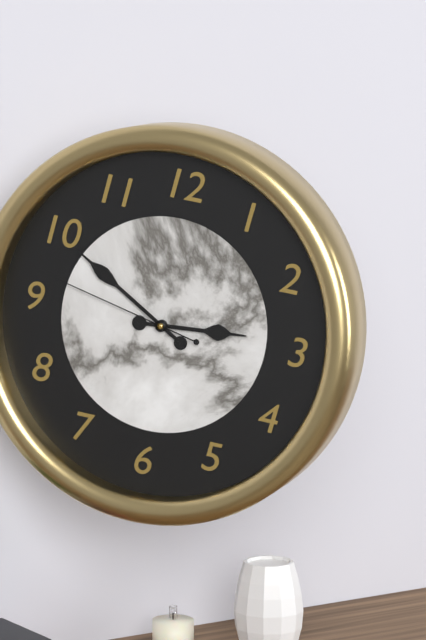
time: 2:50:47
